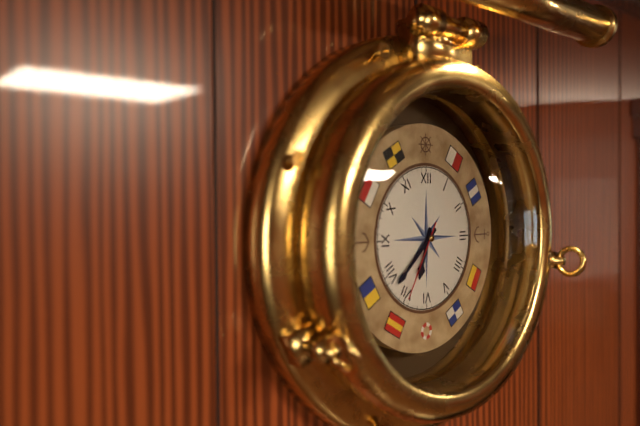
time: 6:38:35
